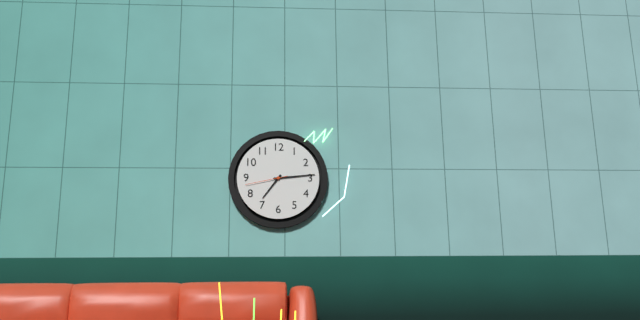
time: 7:14
